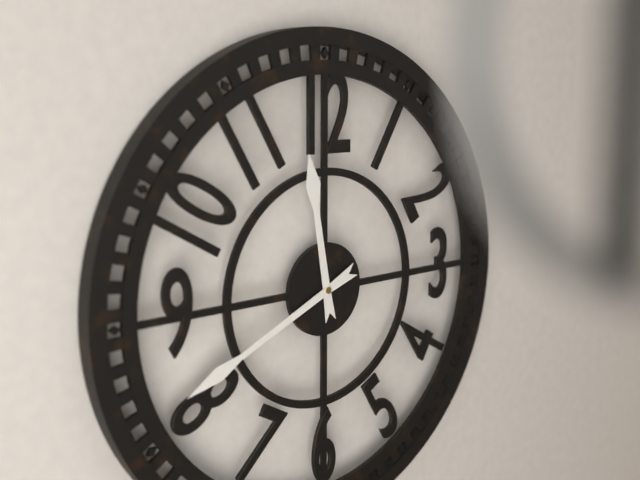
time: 11:41
